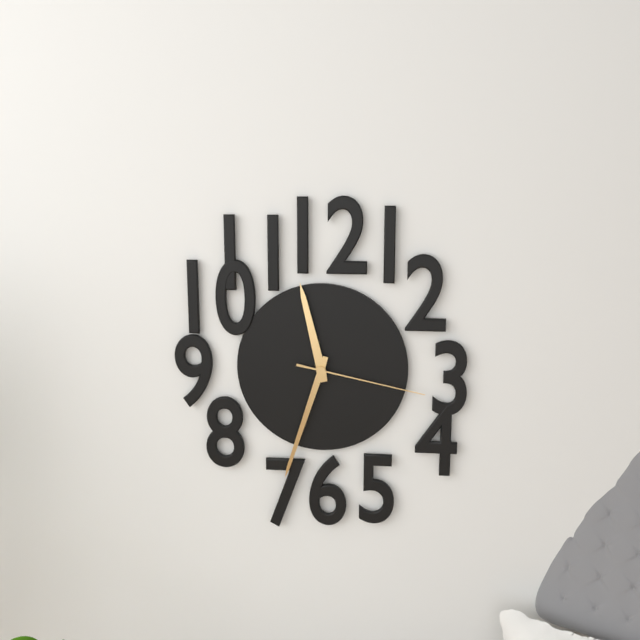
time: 11:33:17
